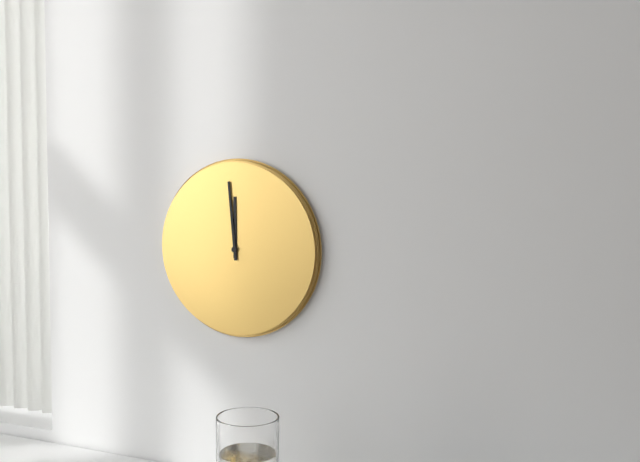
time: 11:59
